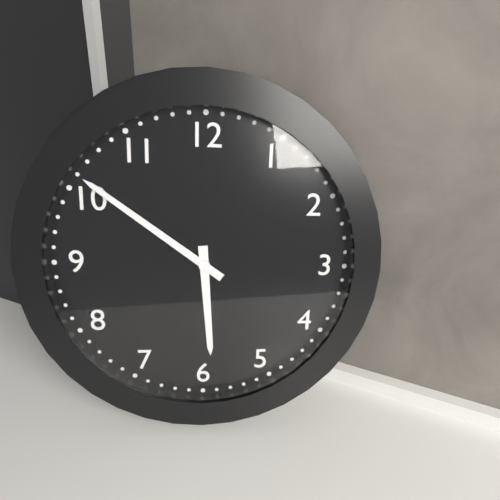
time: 5:51
